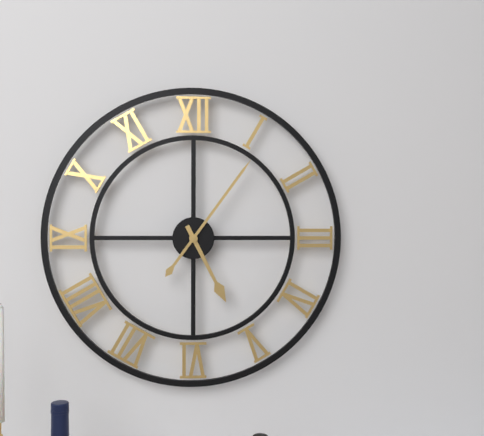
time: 5:06
